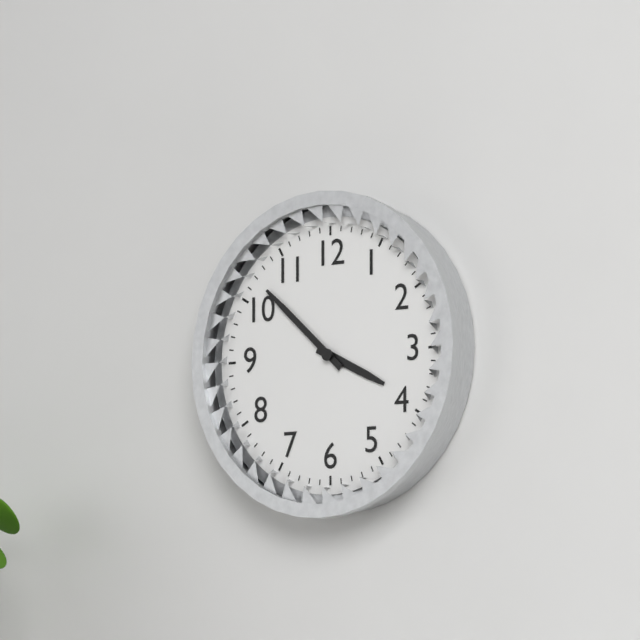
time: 3:52
